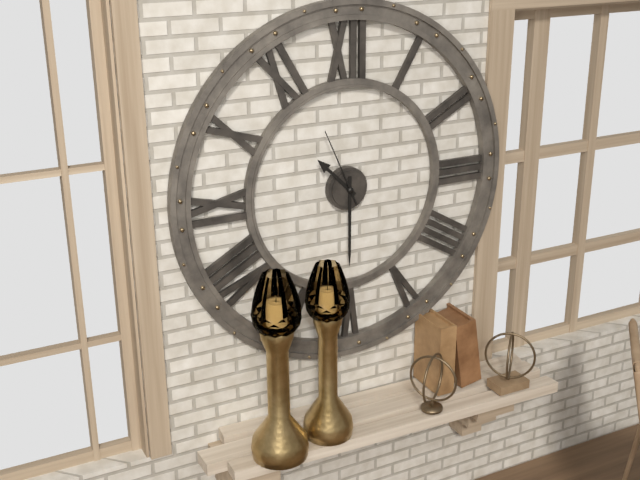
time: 10:30:56
